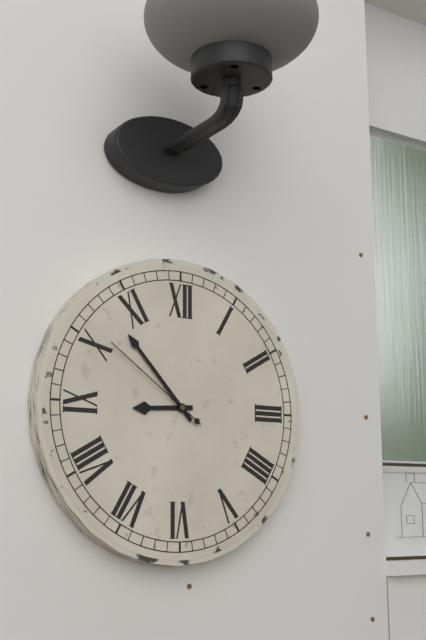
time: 8:53:51
